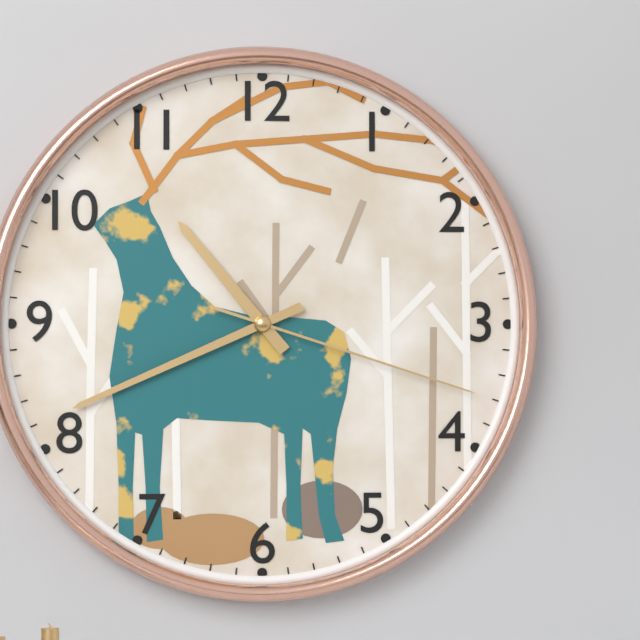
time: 10:41:18
